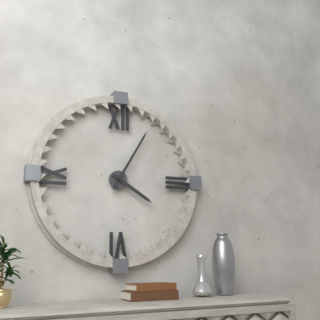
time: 4:05
